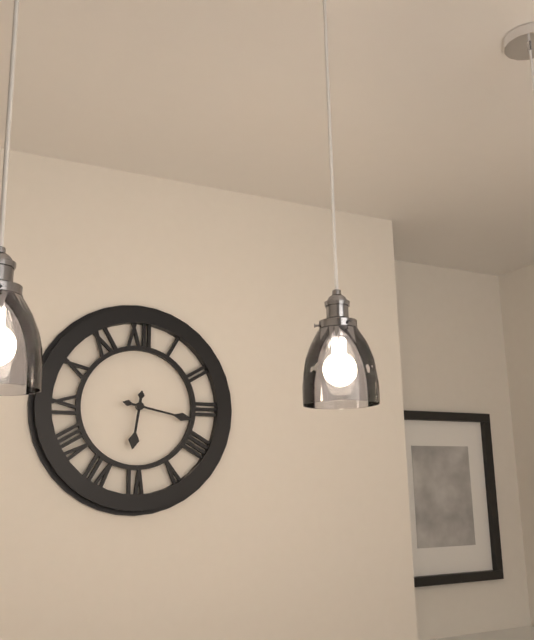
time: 6:17
